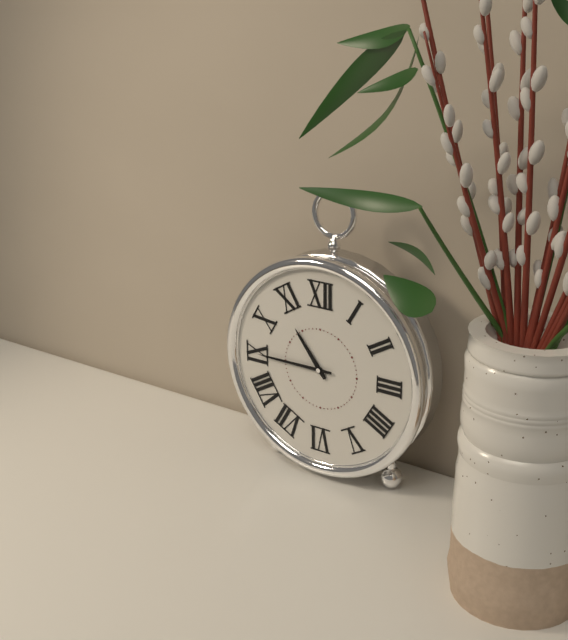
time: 10:45
